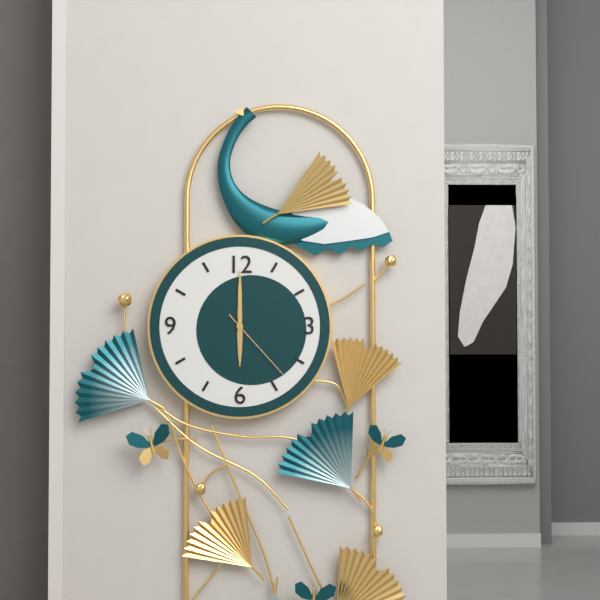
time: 6:00:23
